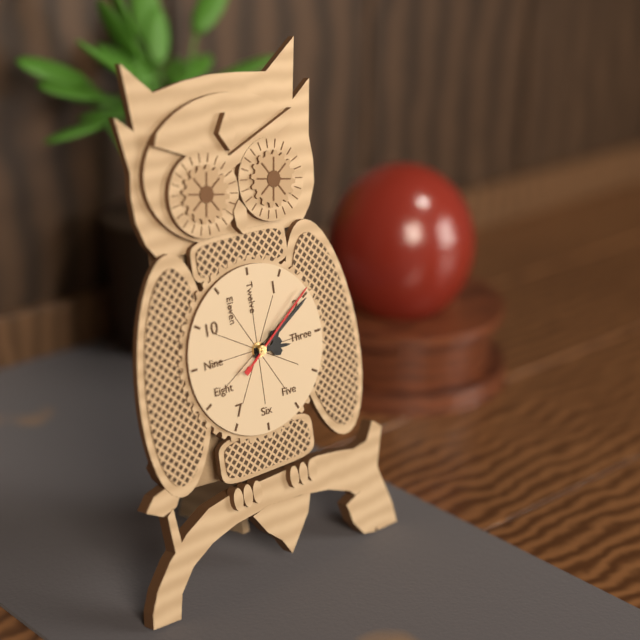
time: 3:10:09
